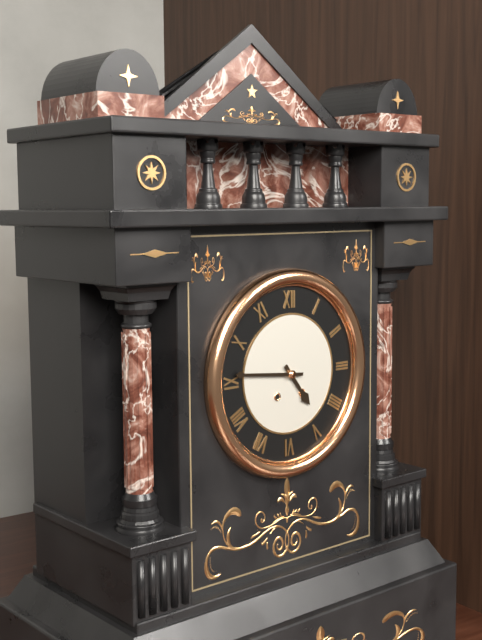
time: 4:46
